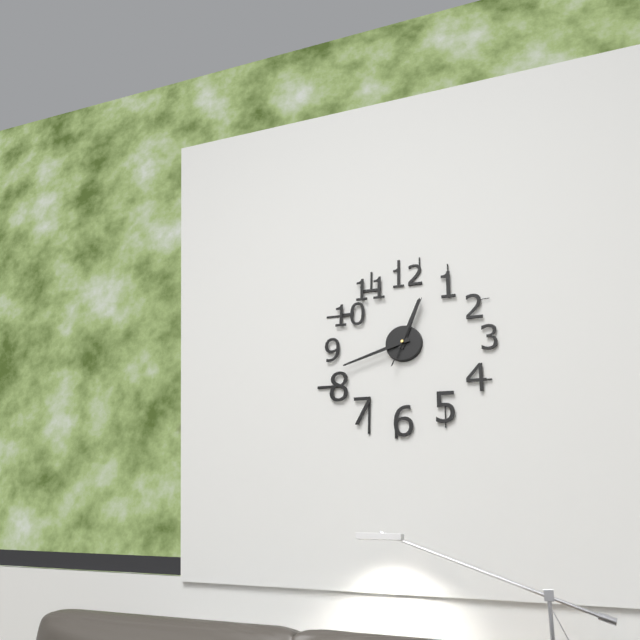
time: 12:42:04
